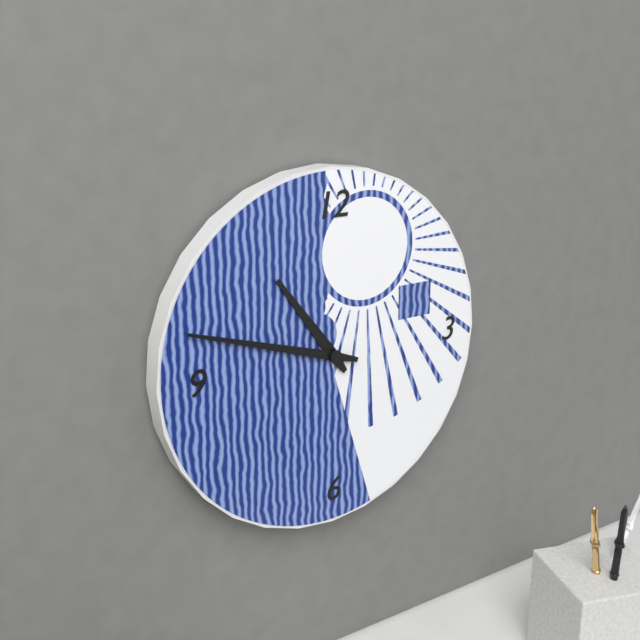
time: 10:48
